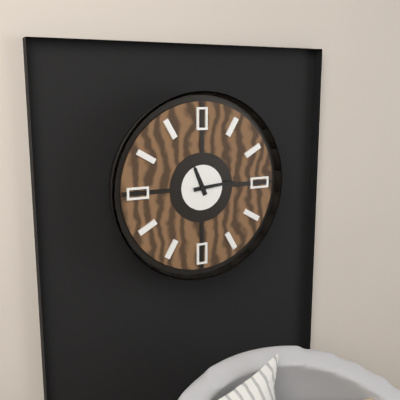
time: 11:14
